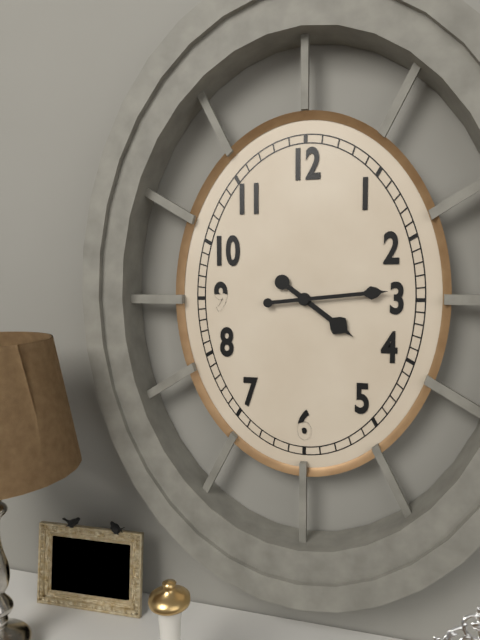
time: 4:14
